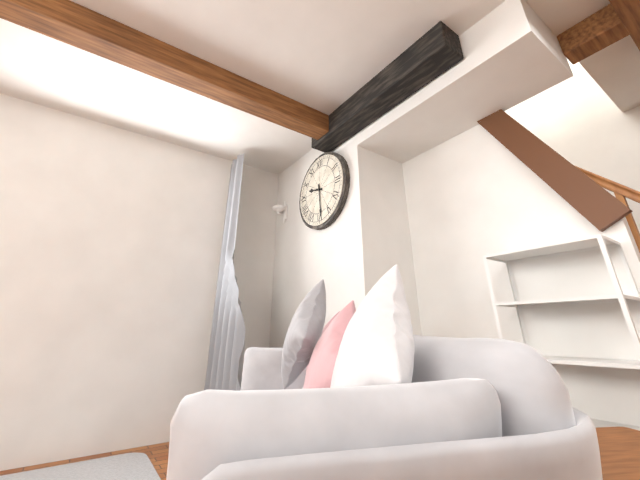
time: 9:29
